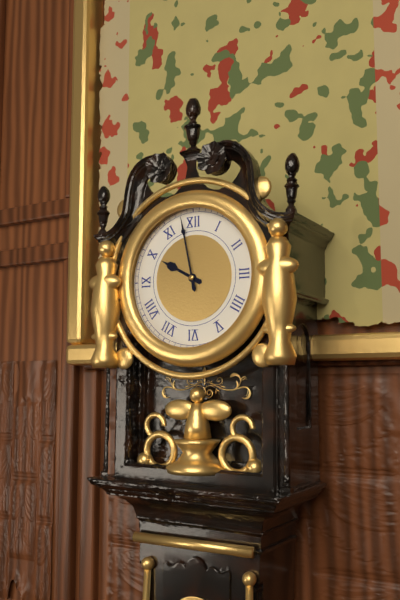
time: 9:58
